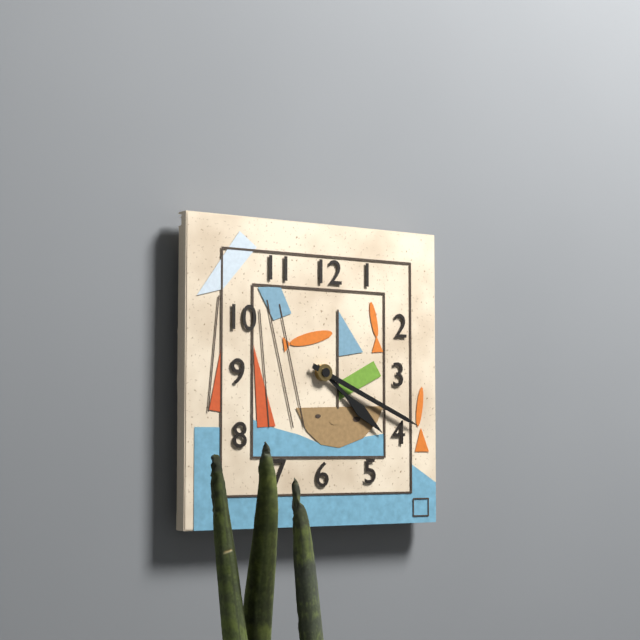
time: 4:19
